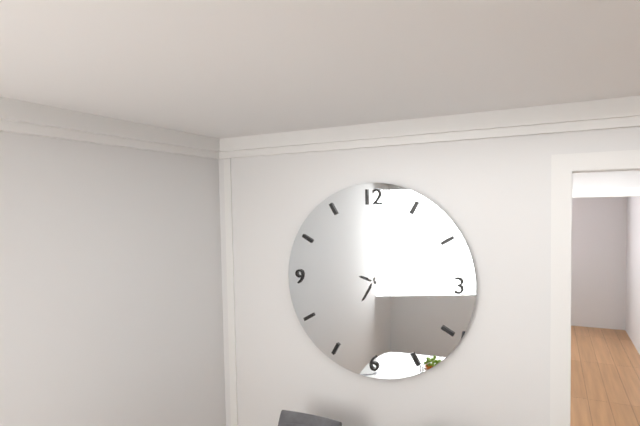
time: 9:35
